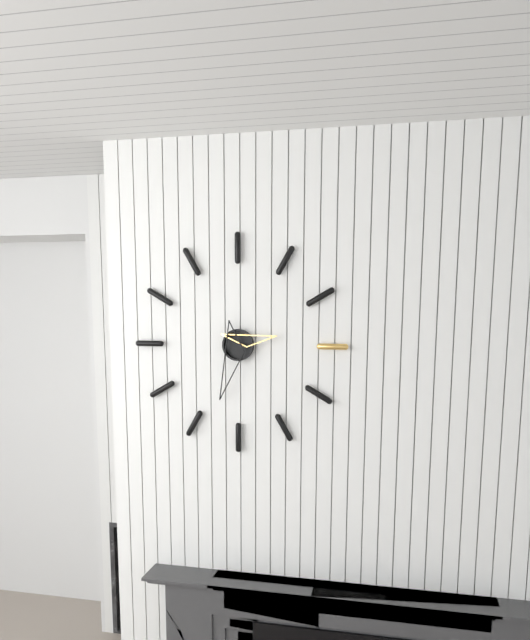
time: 2:33
